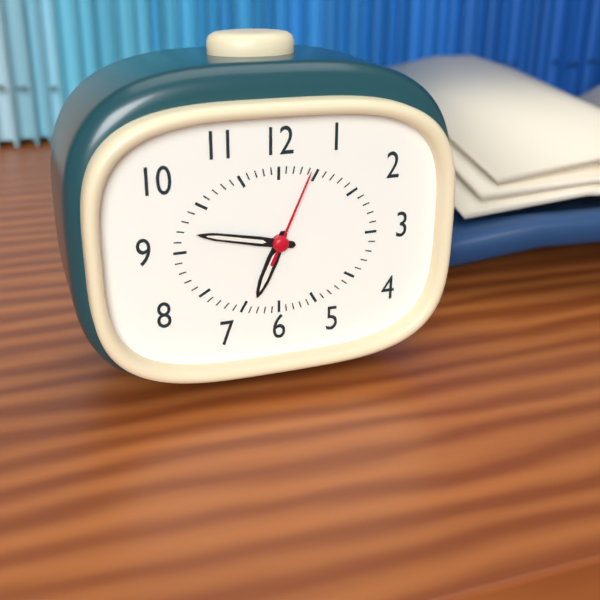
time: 6:47:04
